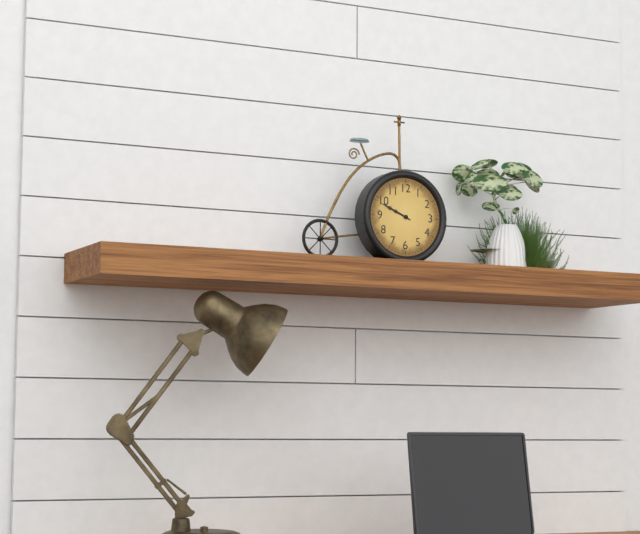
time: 9:49
